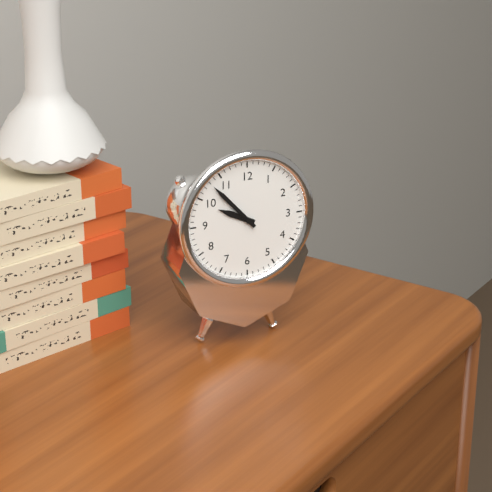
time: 9:53
